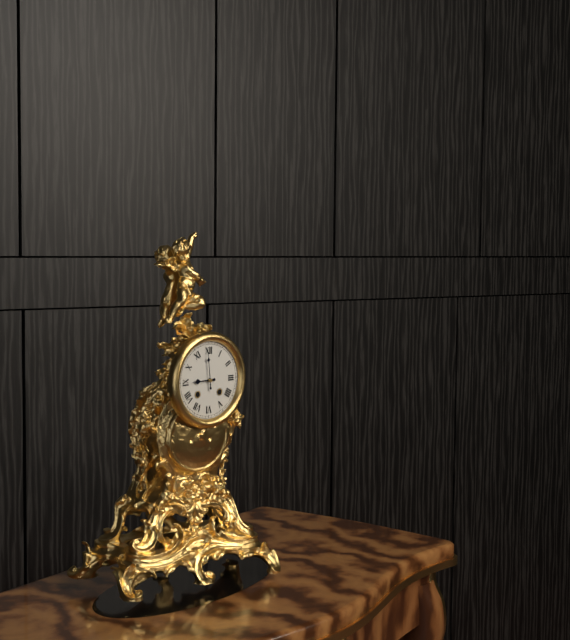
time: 8:59
